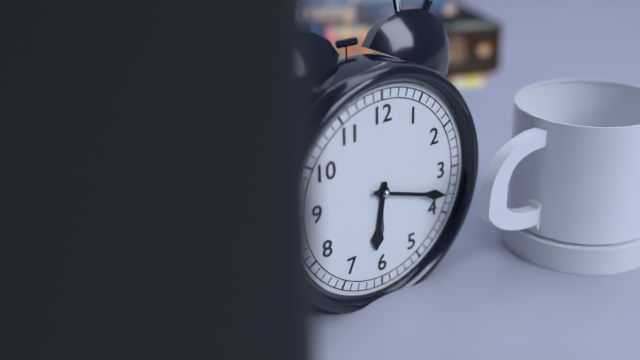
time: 6:18
